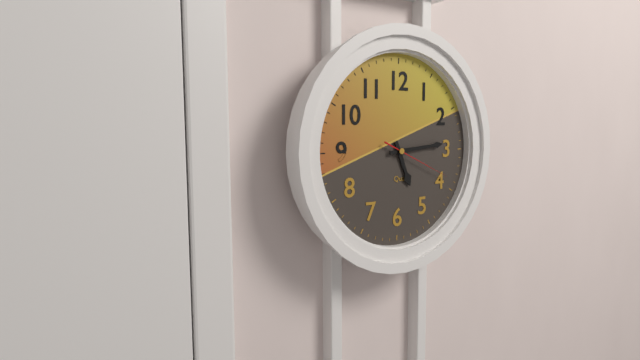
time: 5:14:19
